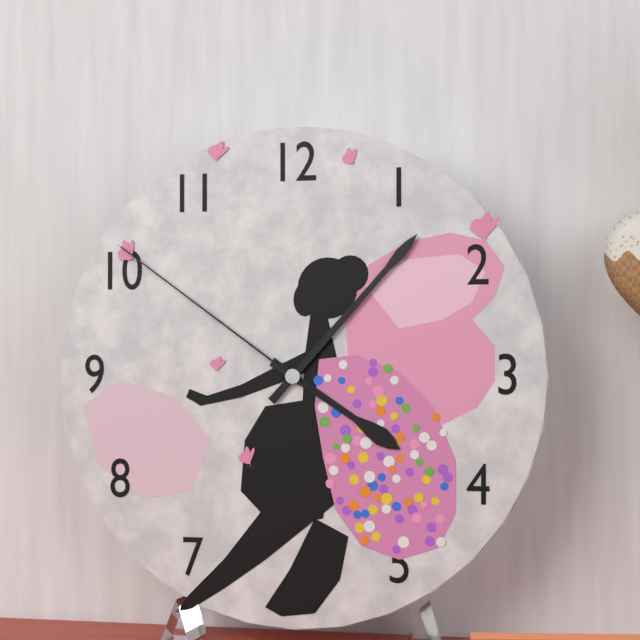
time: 4:07:51
